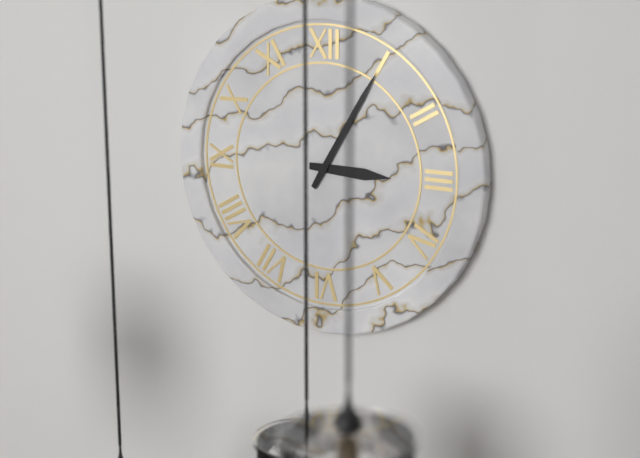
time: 3:05
